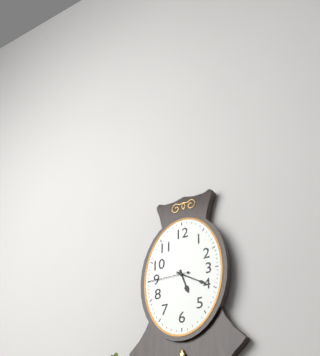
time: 5:20
